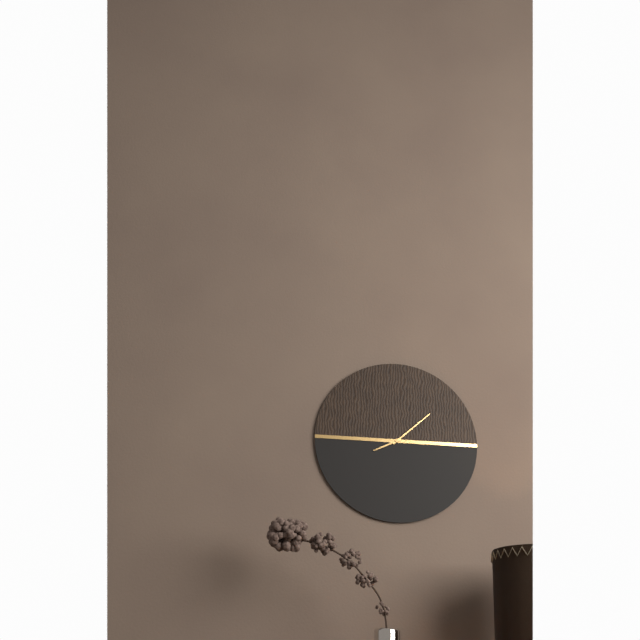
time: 8:08
